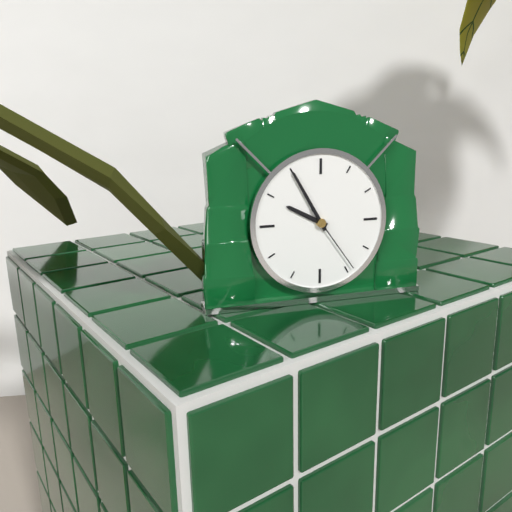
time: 9:55:24
